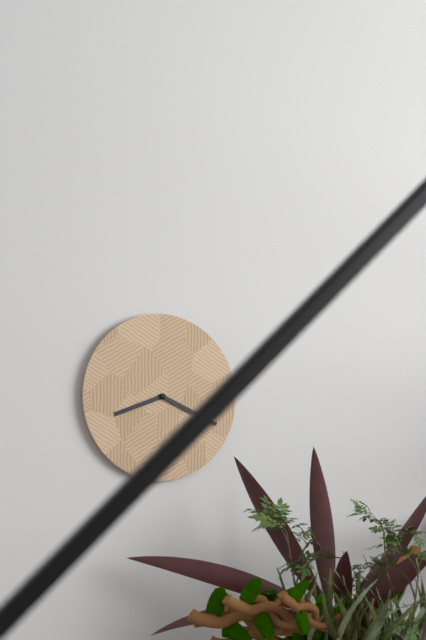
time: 8:19
